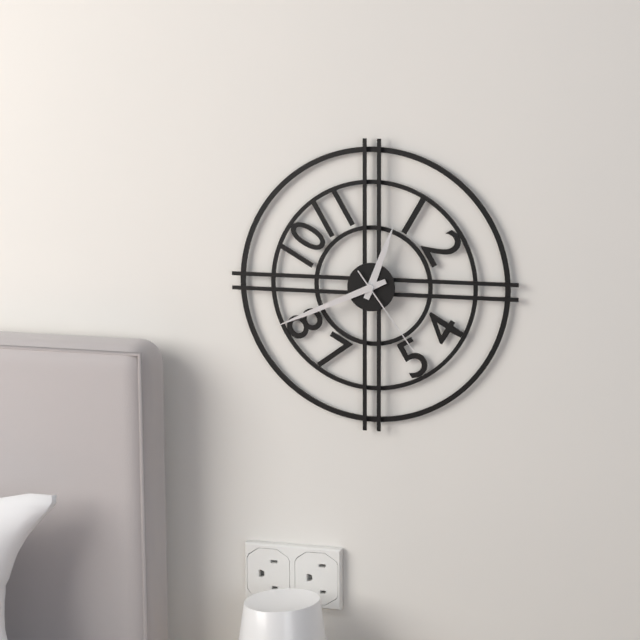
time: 12:41:24
